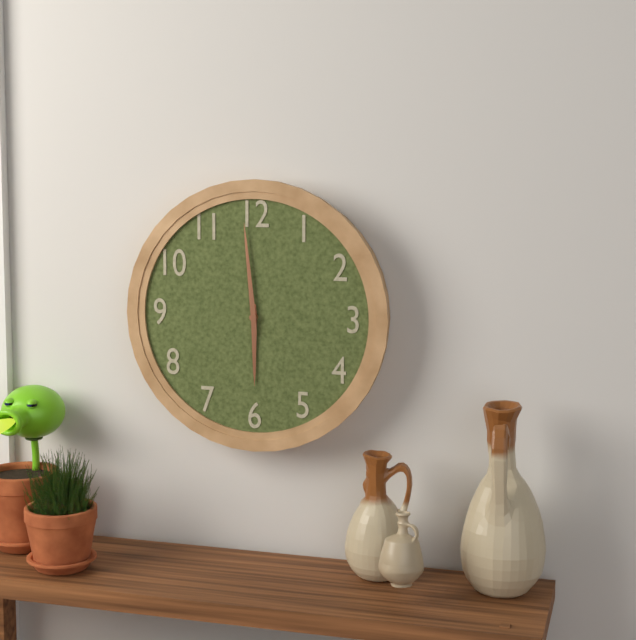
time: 5:59
